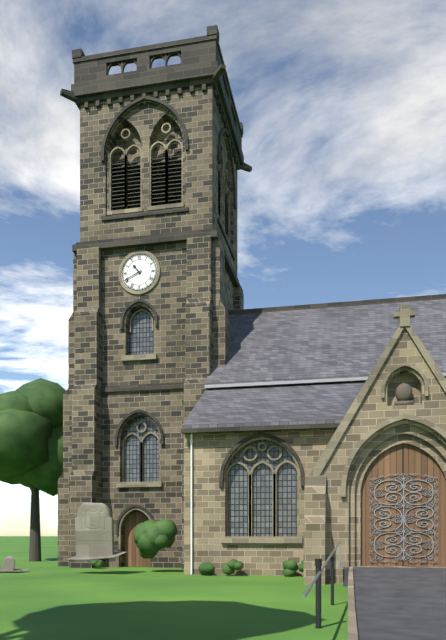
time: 10:41
